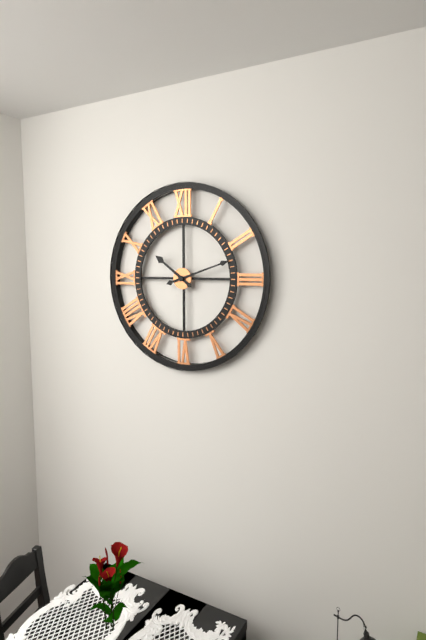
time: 10:12
